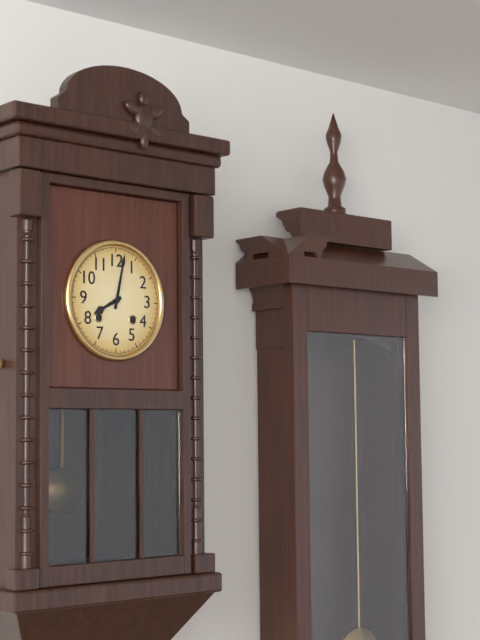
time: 8:02
